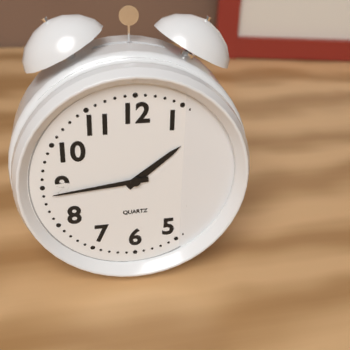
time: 1:44
